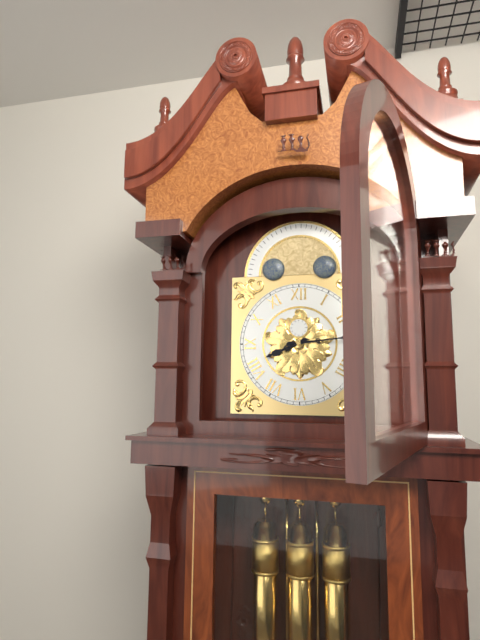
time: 8:14
